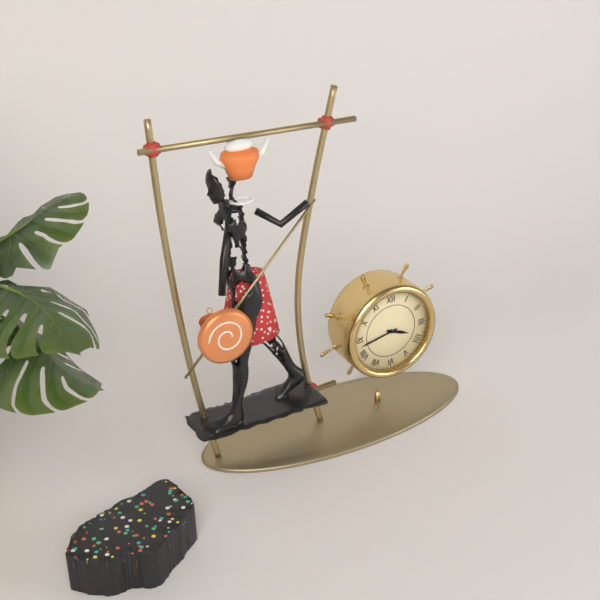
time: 3:43
